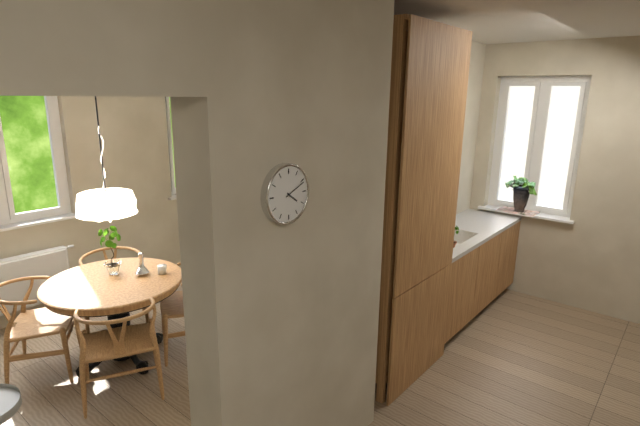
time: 4:11
